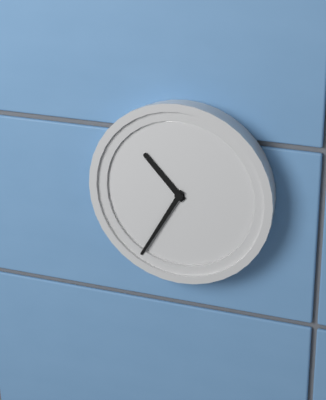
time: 10:35
